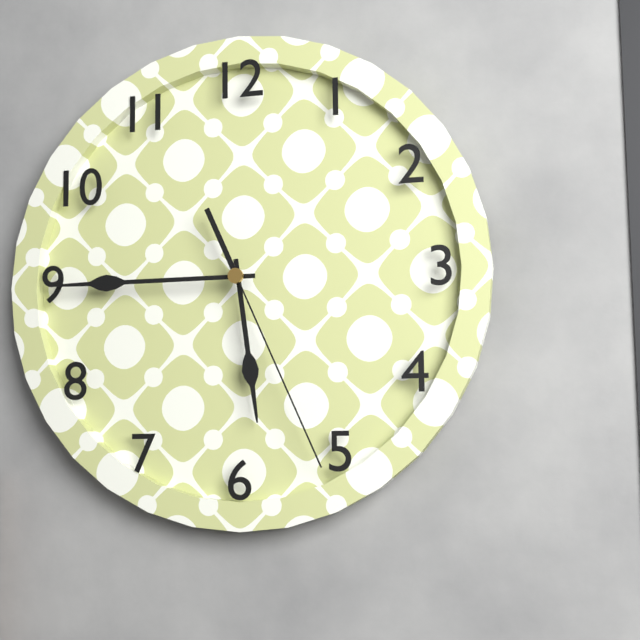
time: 5:45:26
